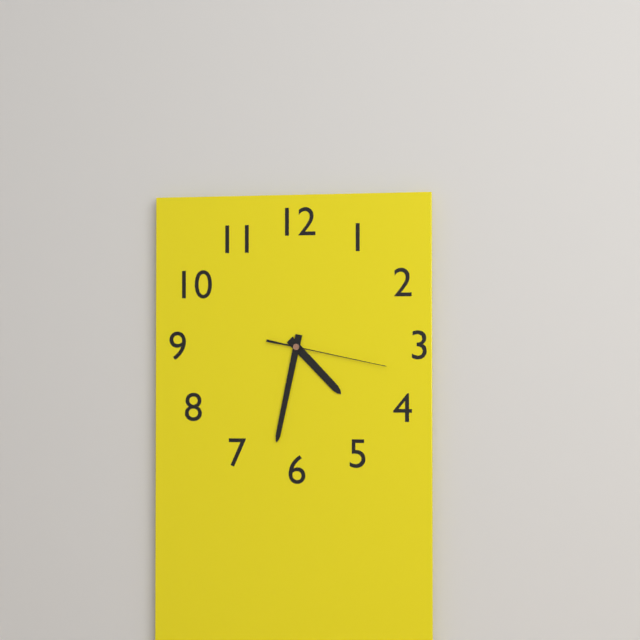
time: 4:32:17
